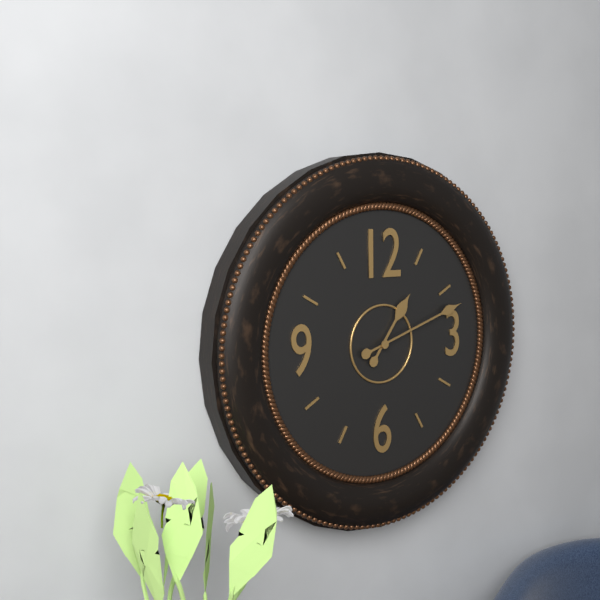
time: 1:12
